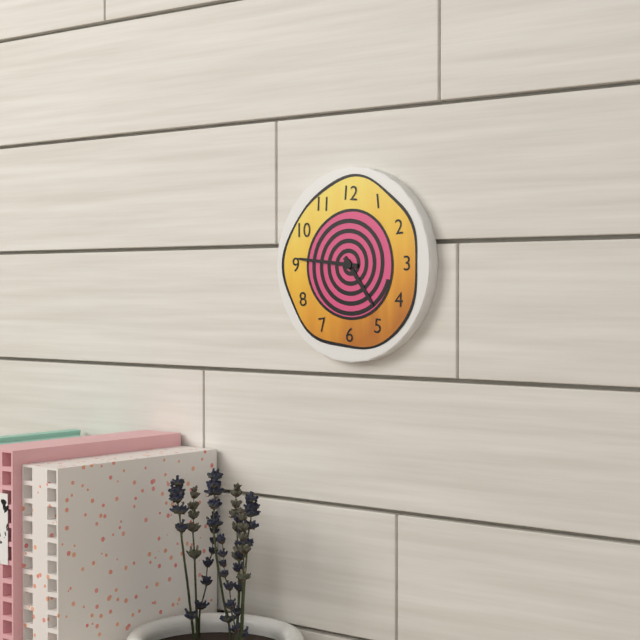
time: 4:46
